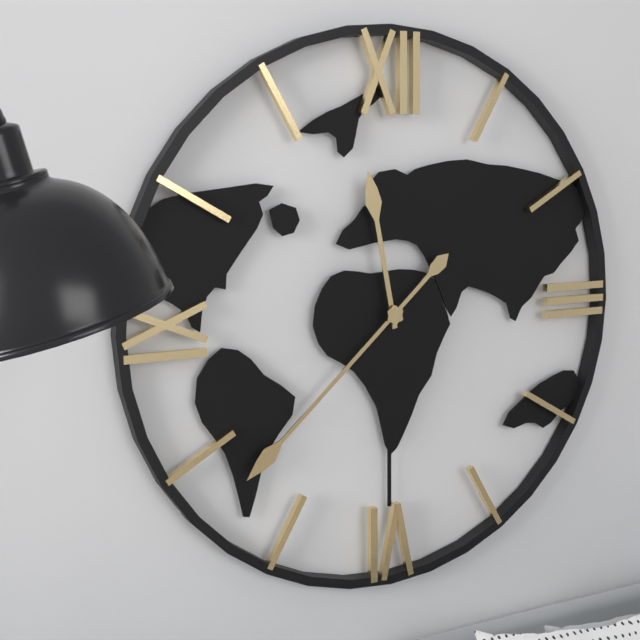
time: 11:38
